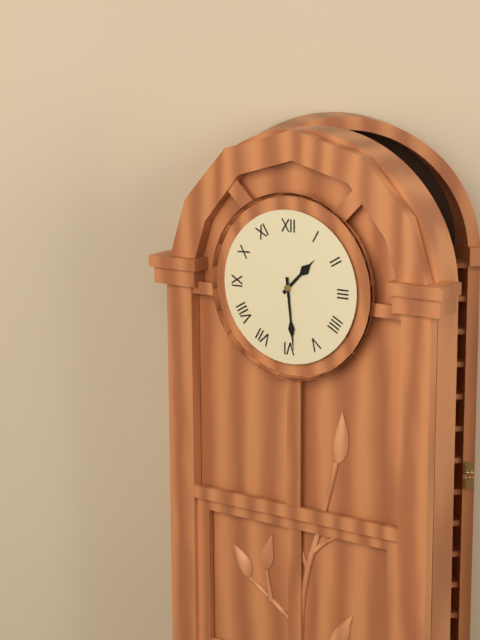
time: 1:29
